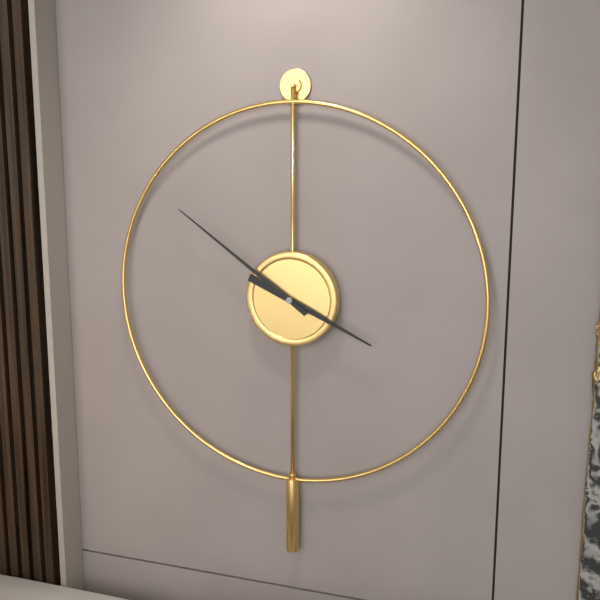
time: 3:51
